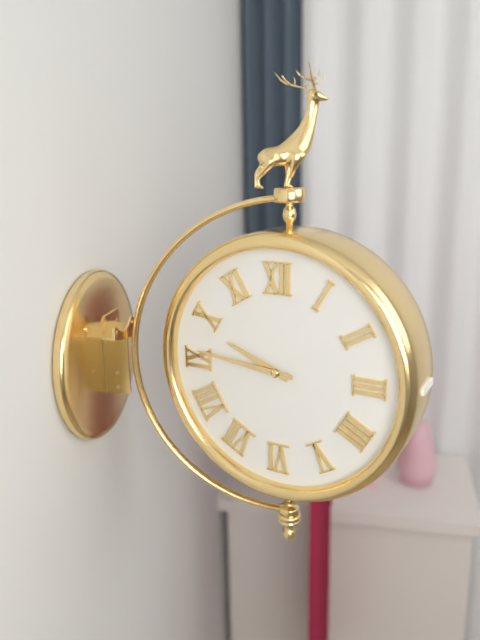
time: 9:46
